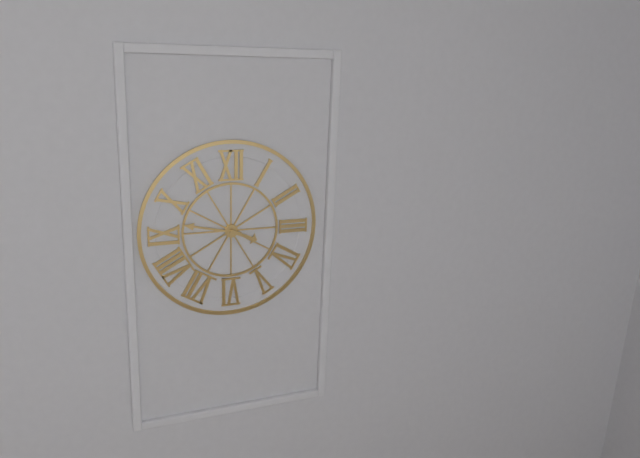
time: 3:47
